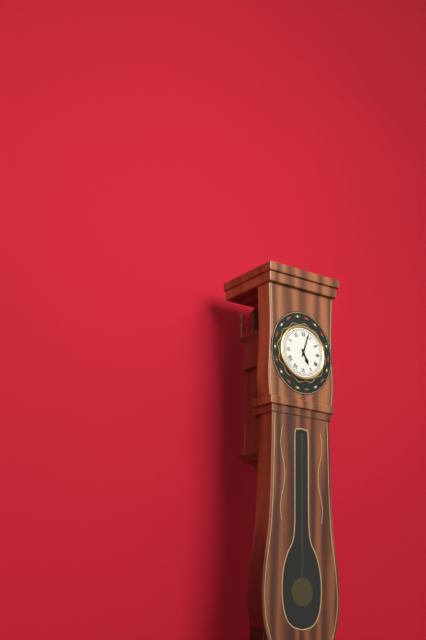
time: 5:03
